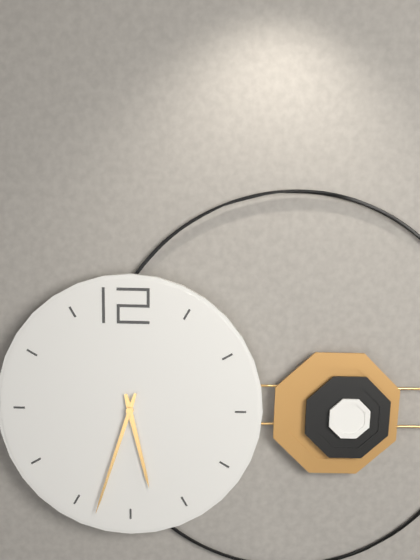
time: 5:33
